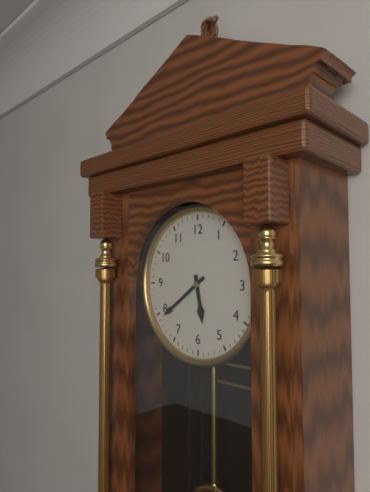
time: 5:39
